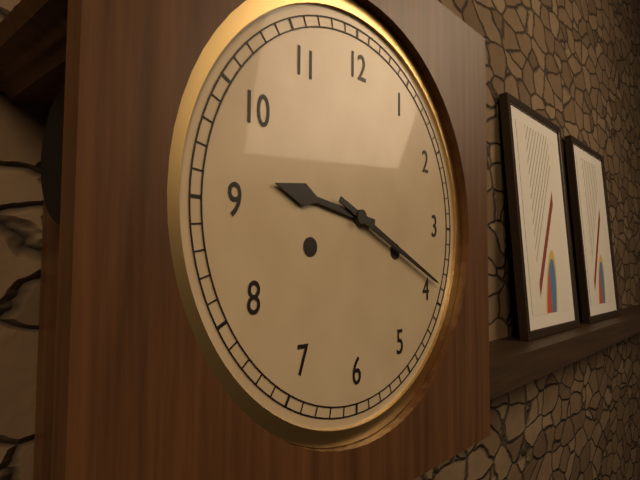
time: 9:19
